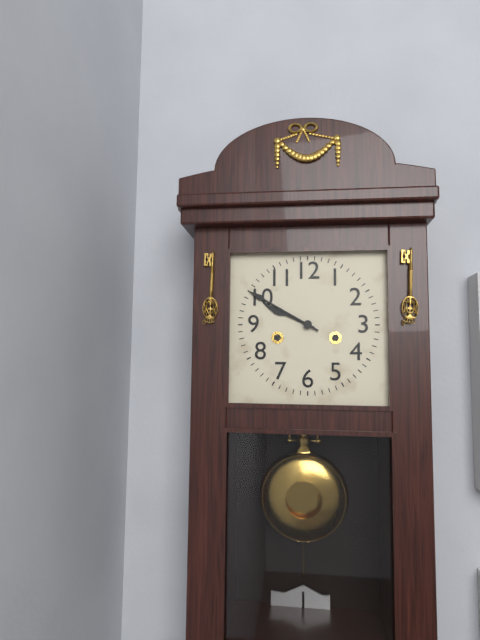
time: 9:50
